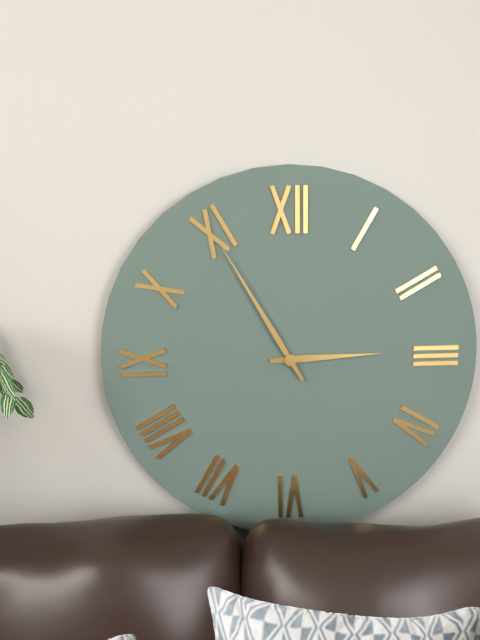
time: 2:55
